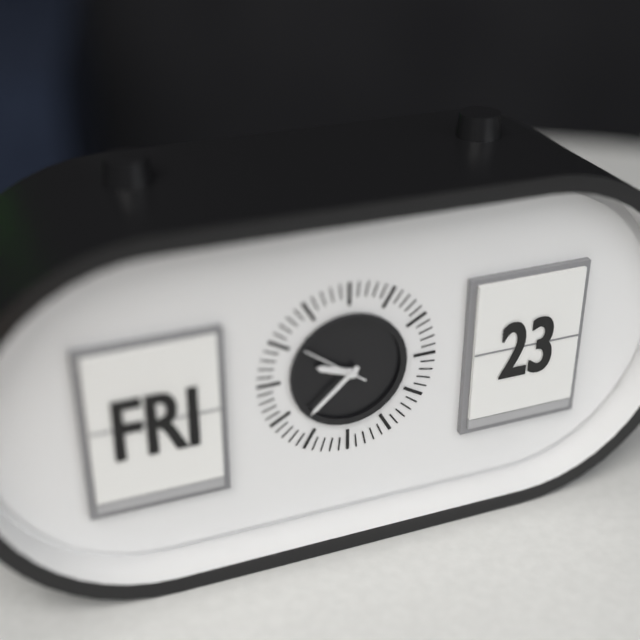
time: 9:38
